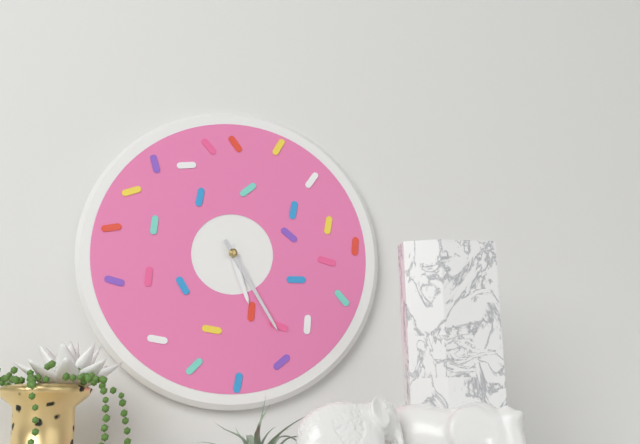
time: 5:25
